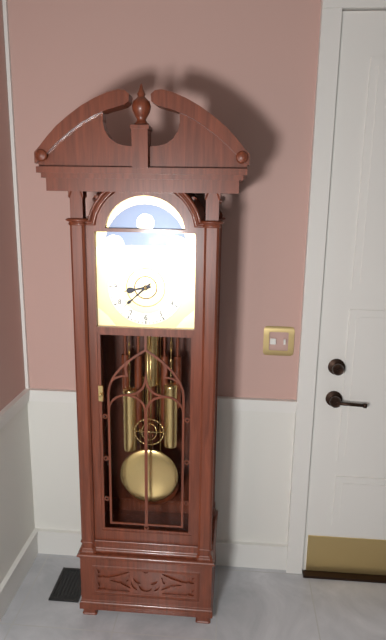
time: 8:38
